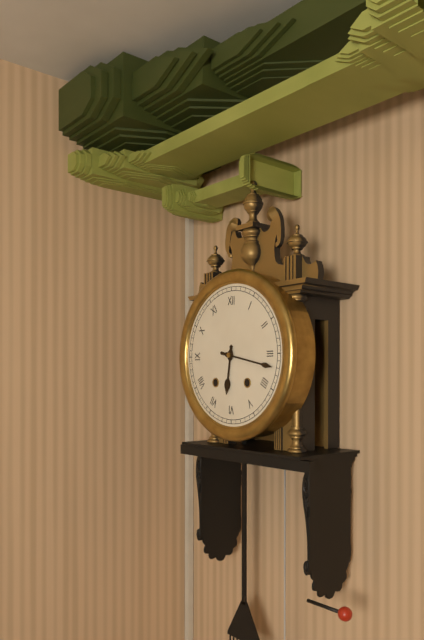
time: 6:17
